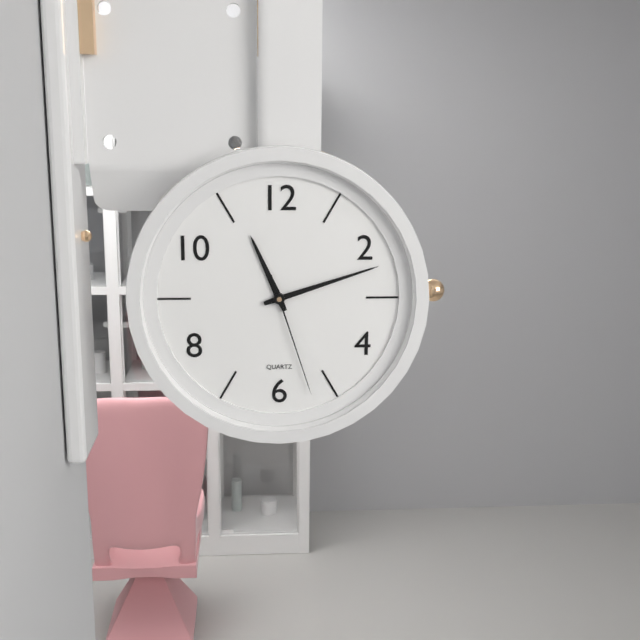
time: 11:12:27
